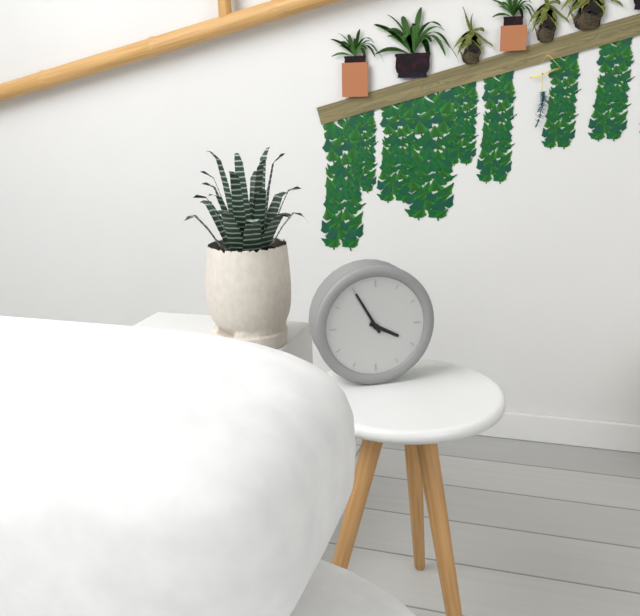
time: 3:55
